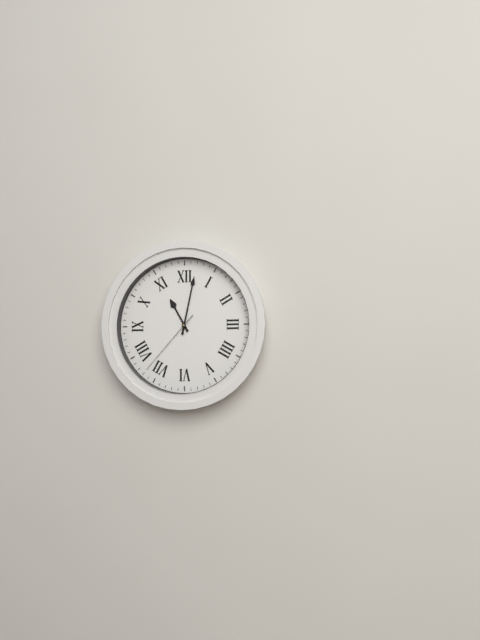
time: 11:02:37
